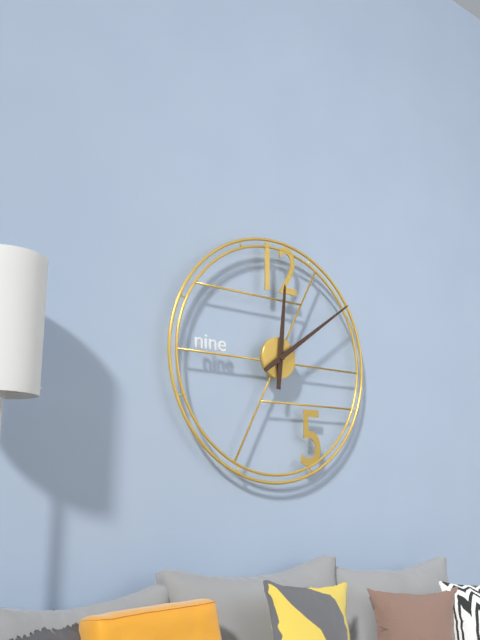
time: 12:09
